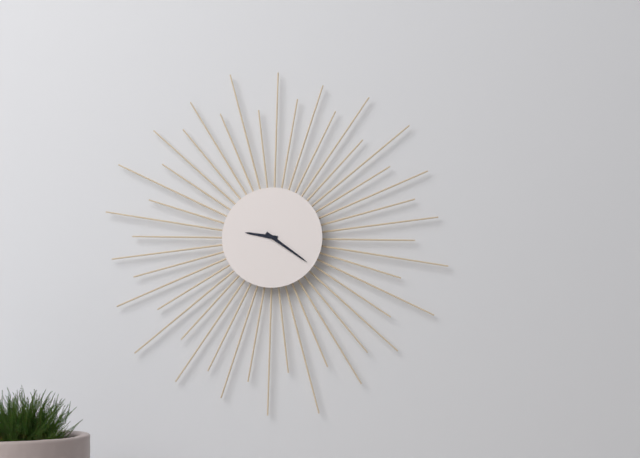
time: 9:21
